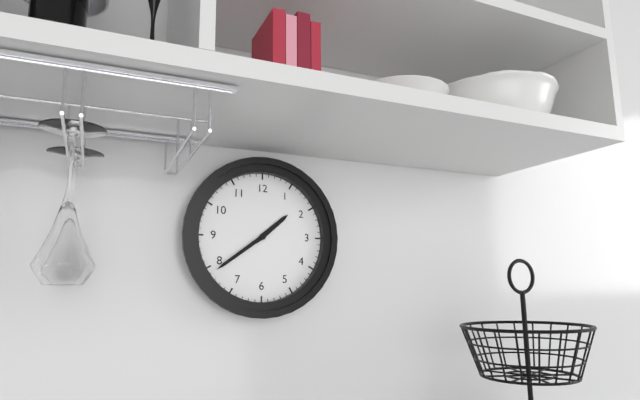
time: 1:39
